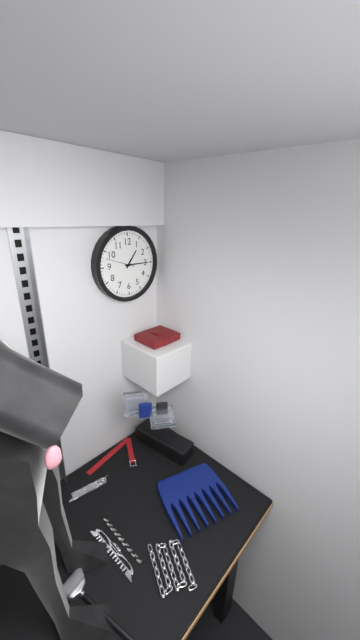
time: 1:15
